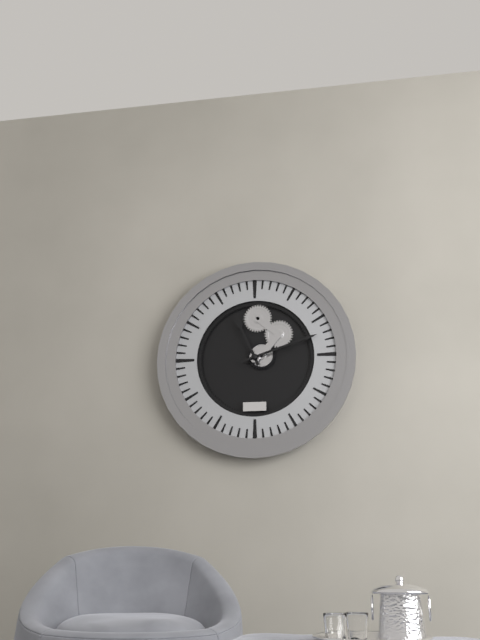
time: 11:12
